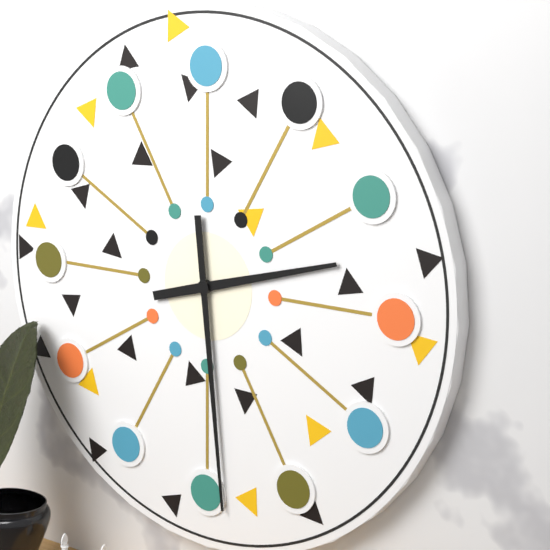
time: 2:29
